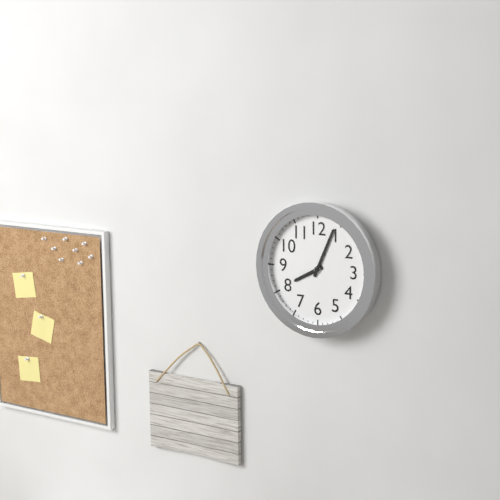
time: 8:04
